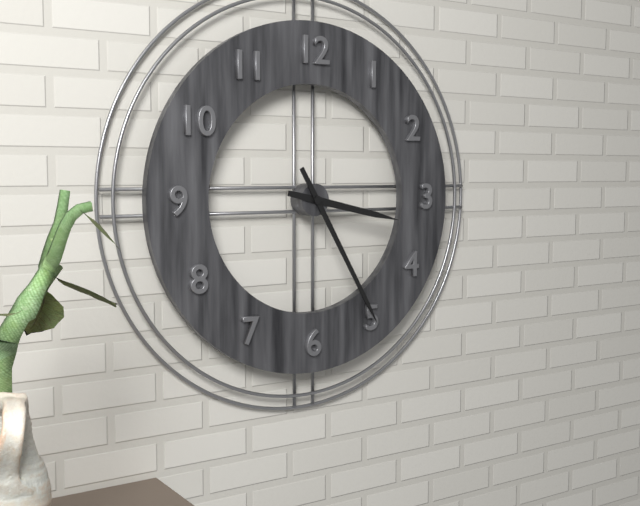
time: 3:25
